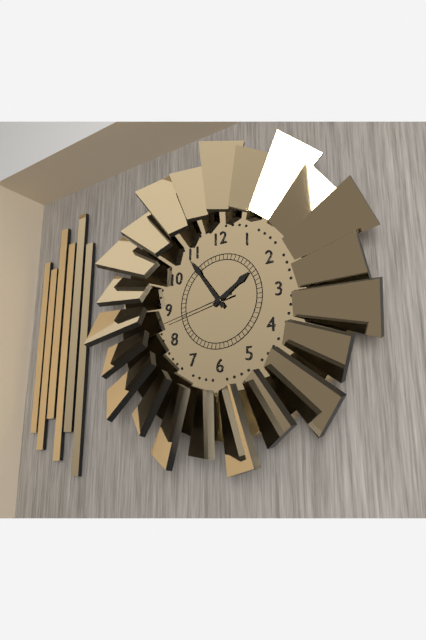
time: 1:54:43
